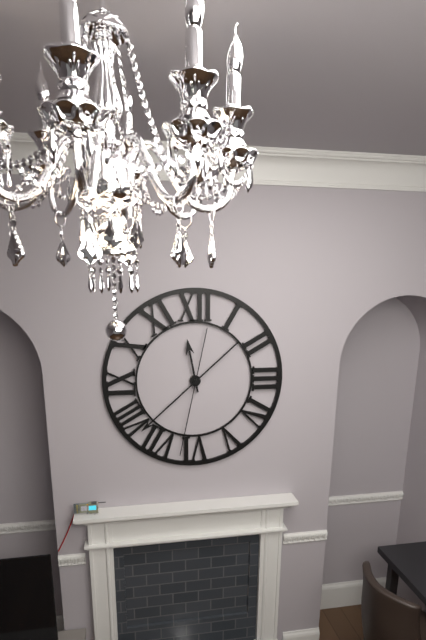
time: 11:38:32
